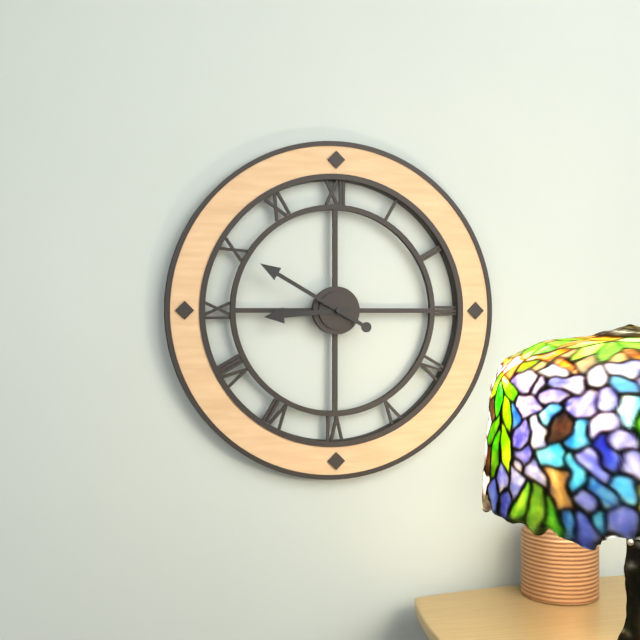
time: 8:50
